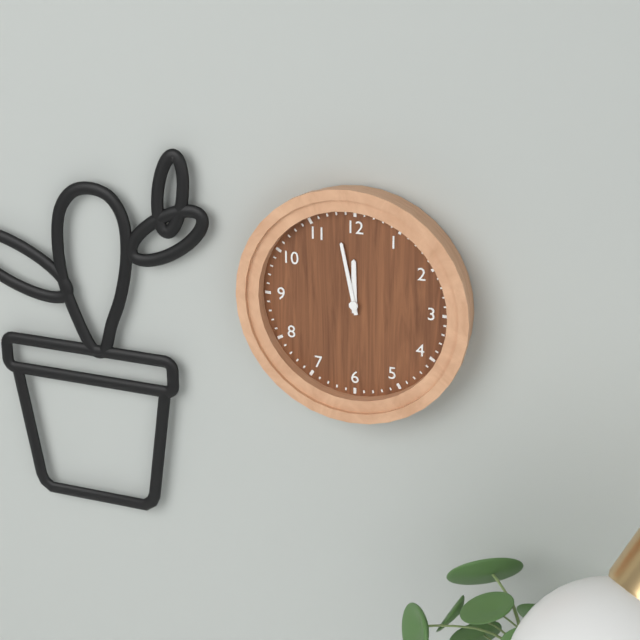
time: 11:58
